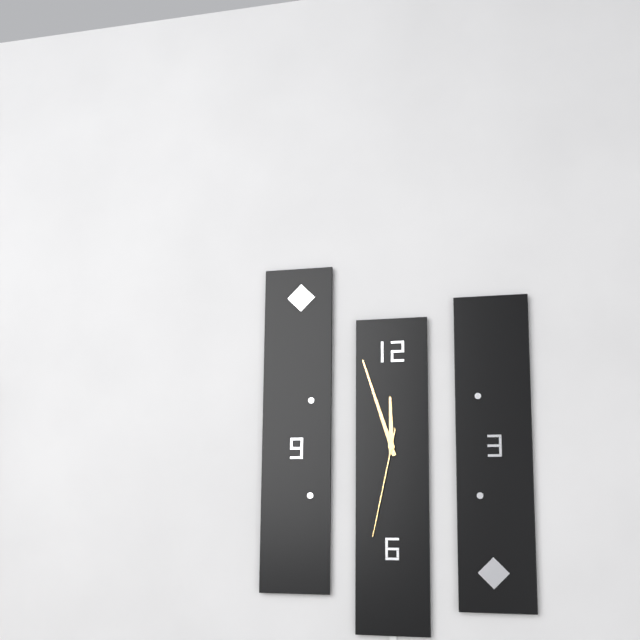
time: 11:57:32
